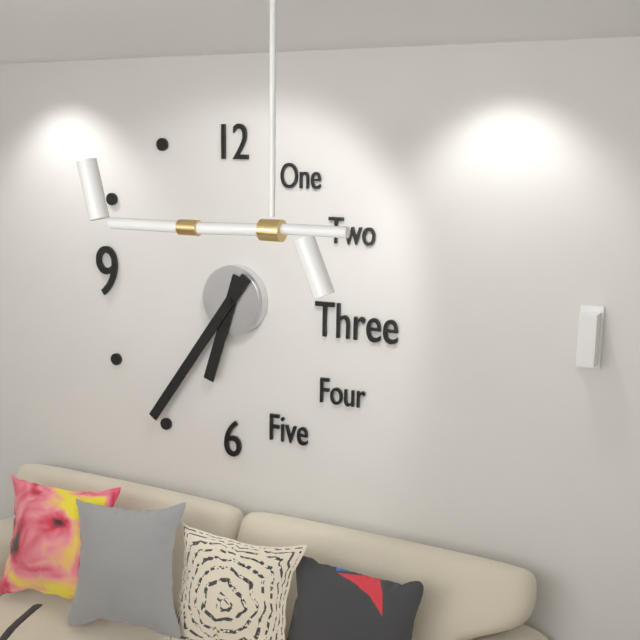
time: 6:36
